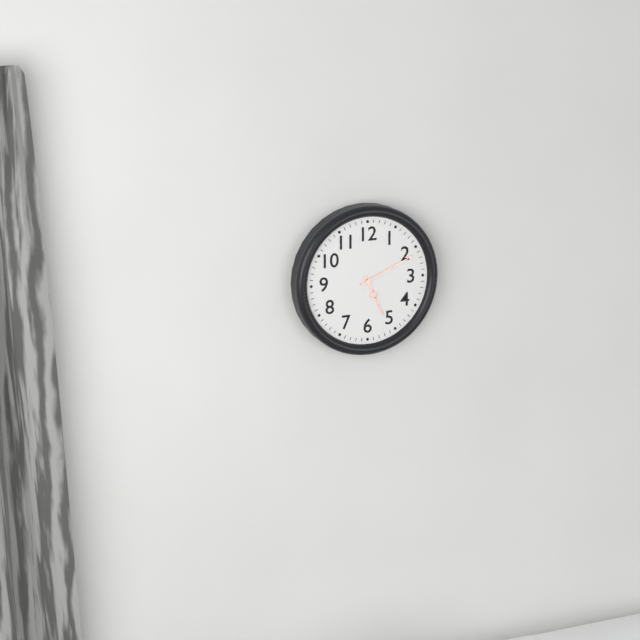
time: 5:11
